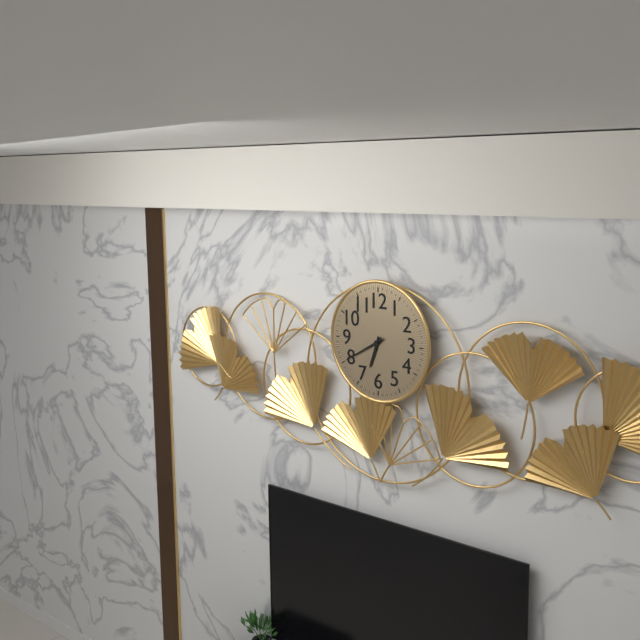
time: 6:40
